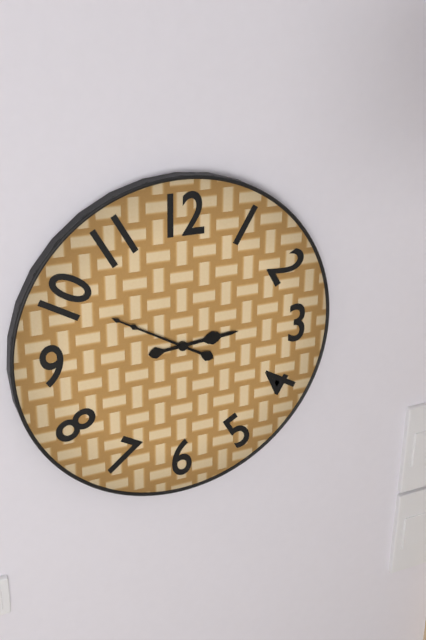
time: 2:50
